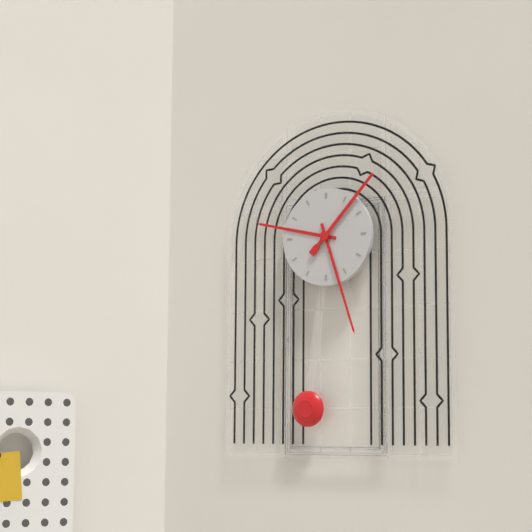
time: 9:27:07
